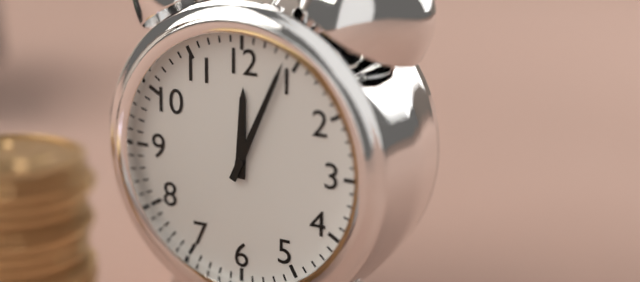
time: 12:04
